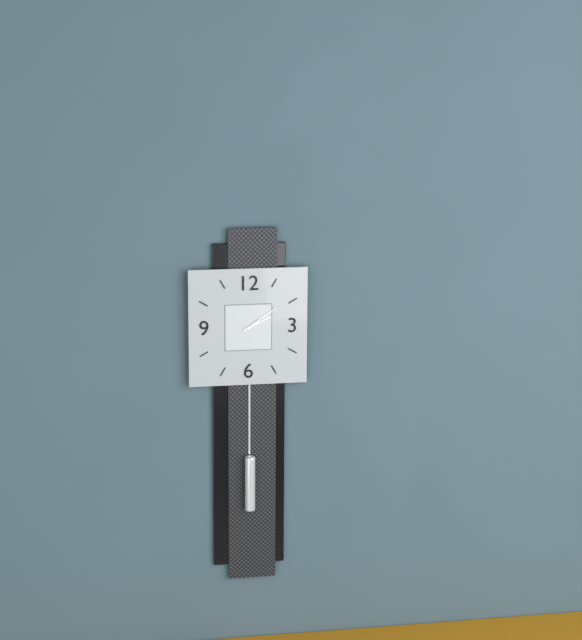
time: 2:09
